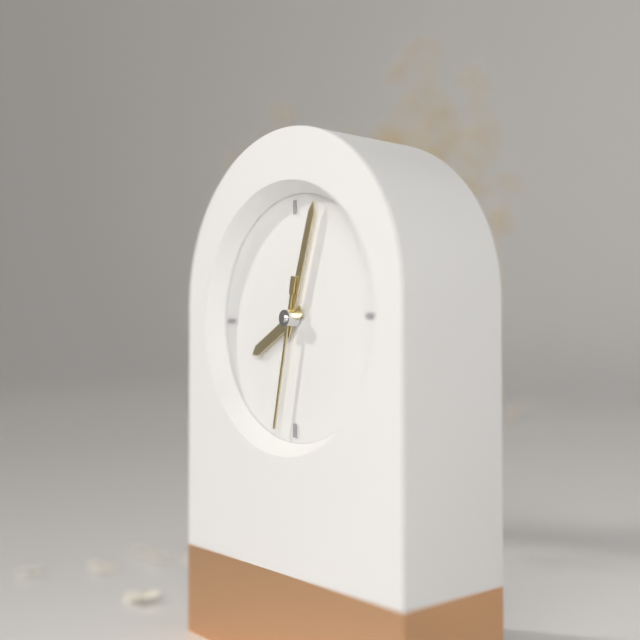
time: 8:03:32
